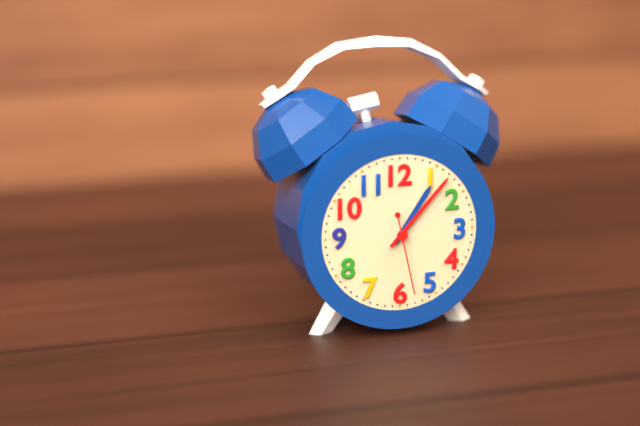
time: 1:07:28
